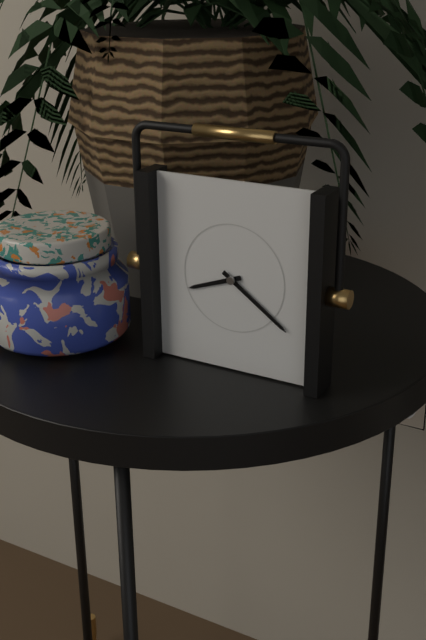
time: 8:21
